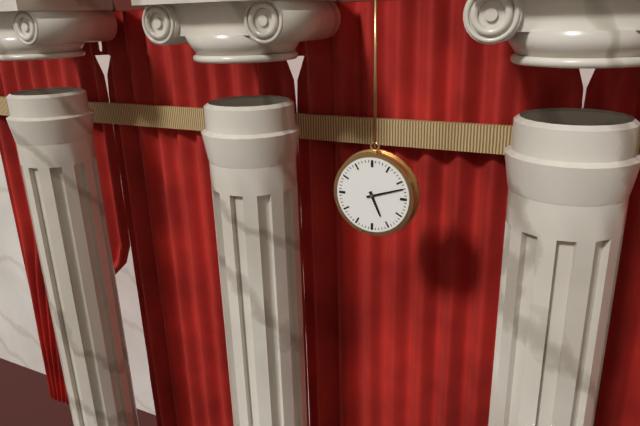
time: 5:12
